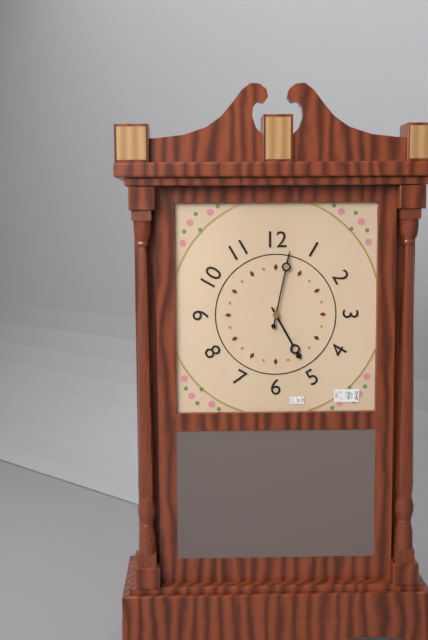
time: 5:02
